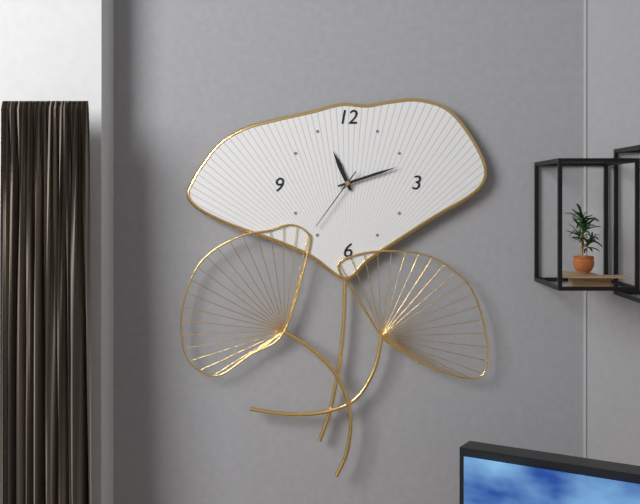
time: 11:12:36
